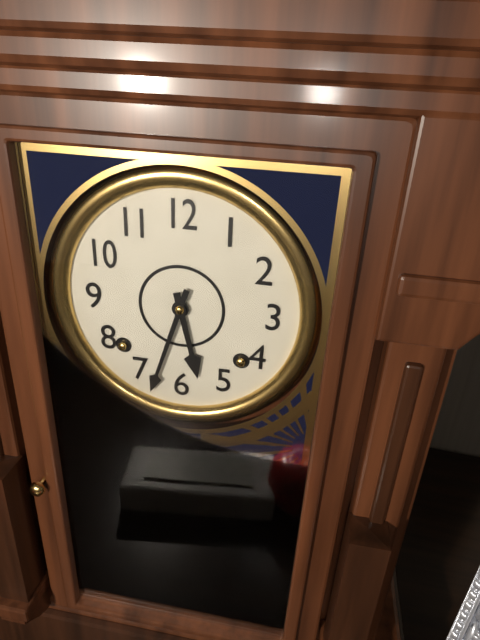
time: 5:33
